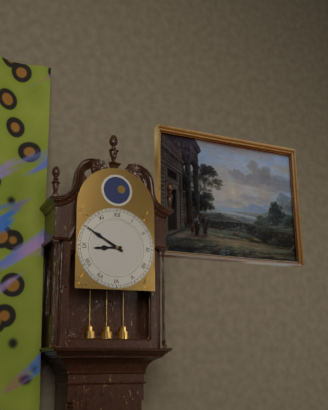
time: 8:50
